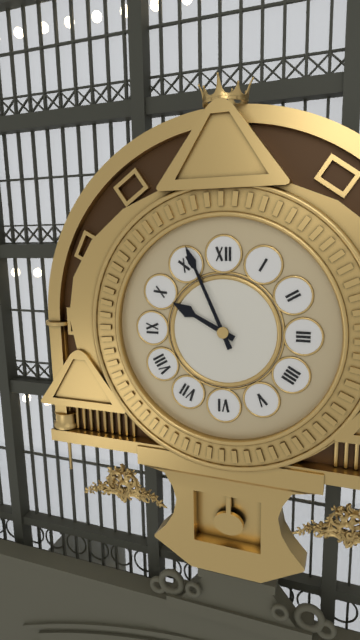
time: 9:56
